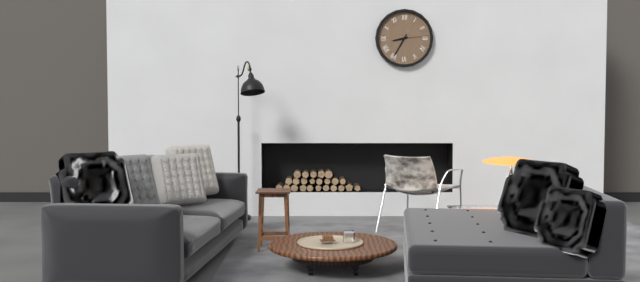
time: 8:35
